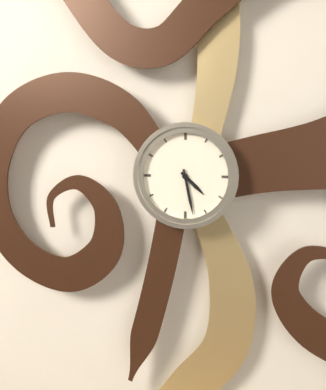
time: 4:28
